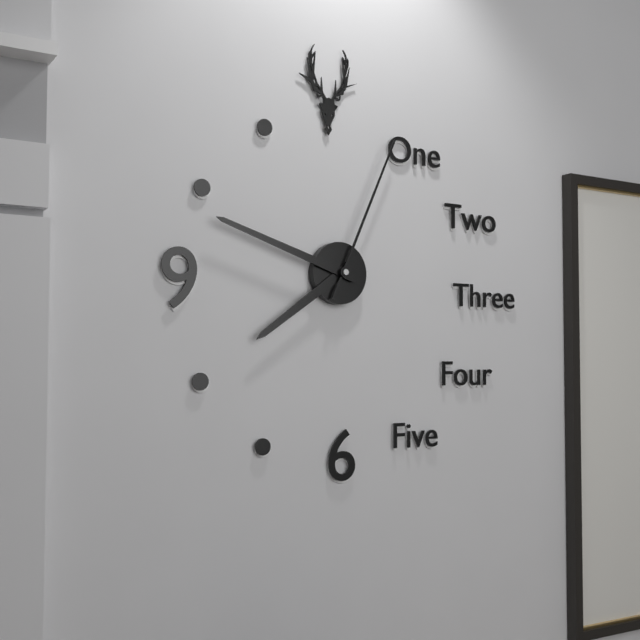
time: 7:48:04
